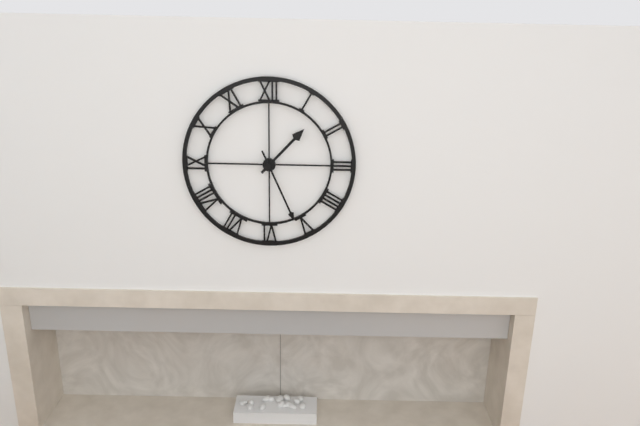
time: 1:26
